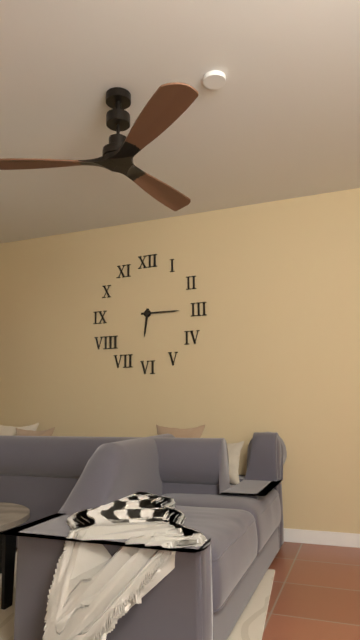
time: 6:15
